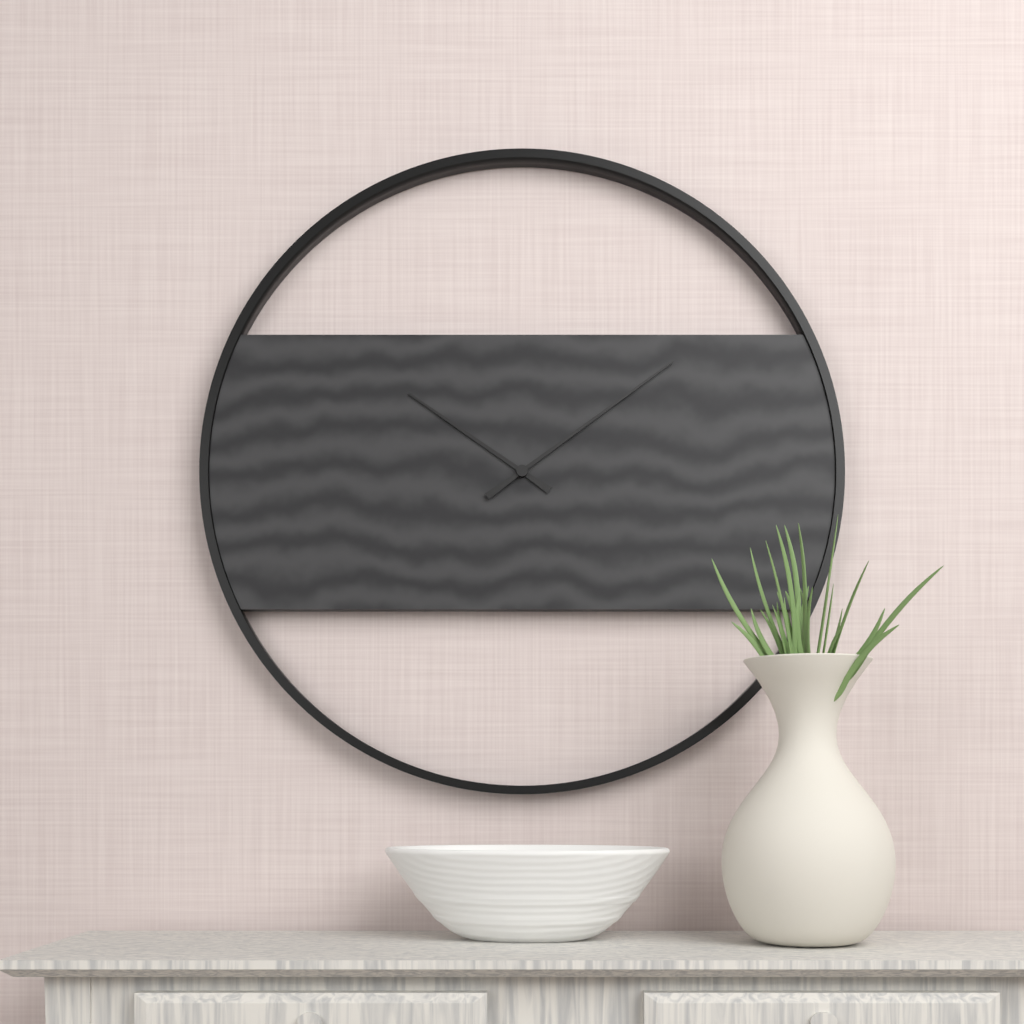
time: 10:09
